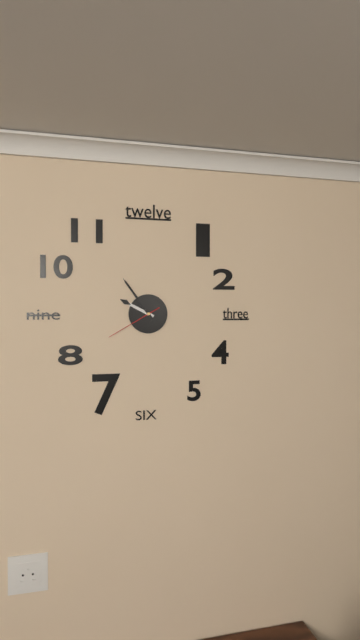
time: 9:54:40
